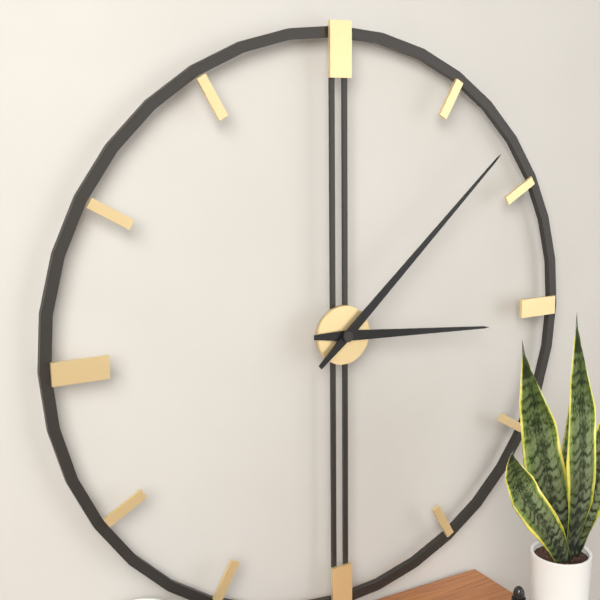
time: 3:08
